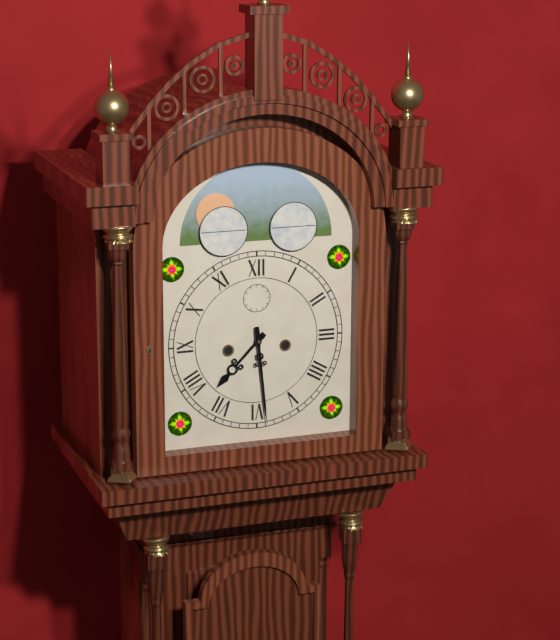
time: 7:29
